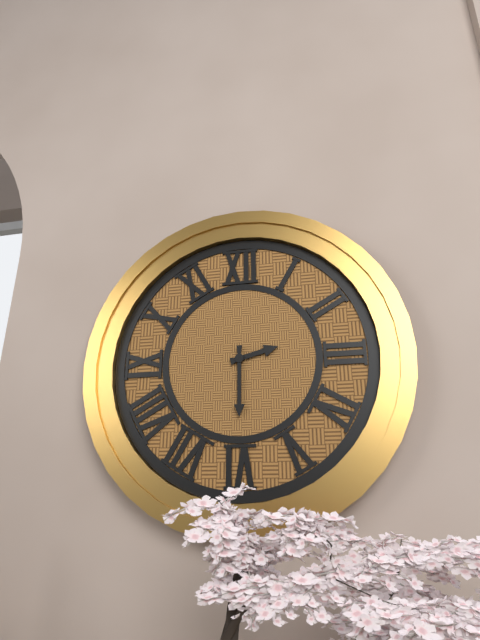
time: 2:30
